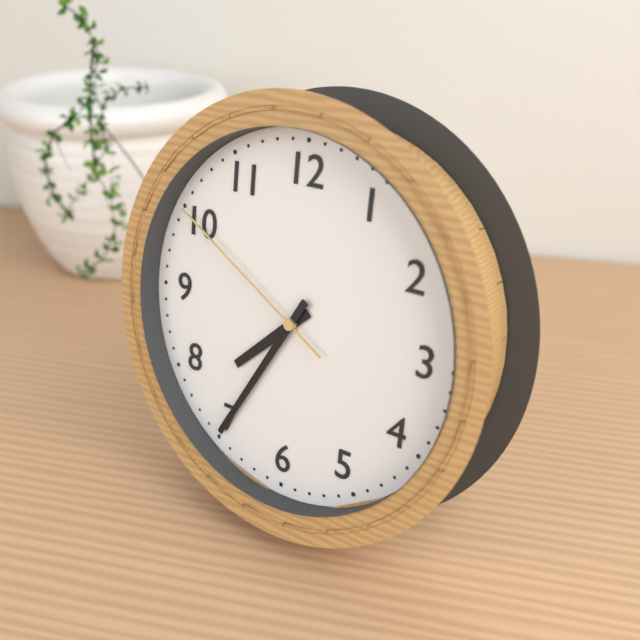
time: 7:35:50
